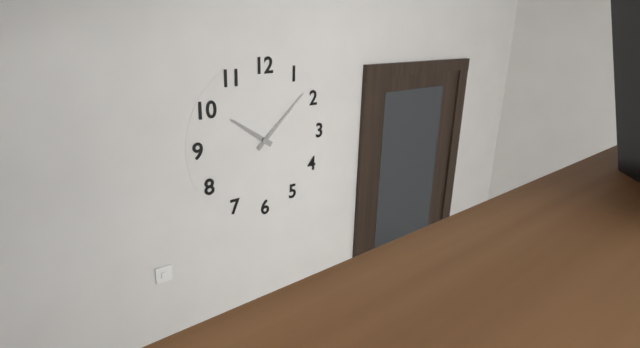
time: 10:08
